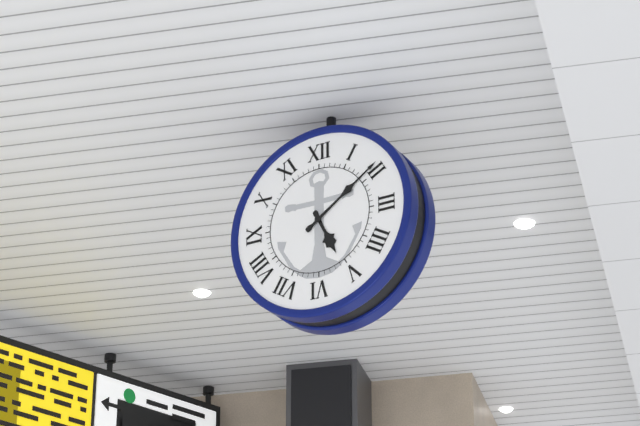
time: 5:09
